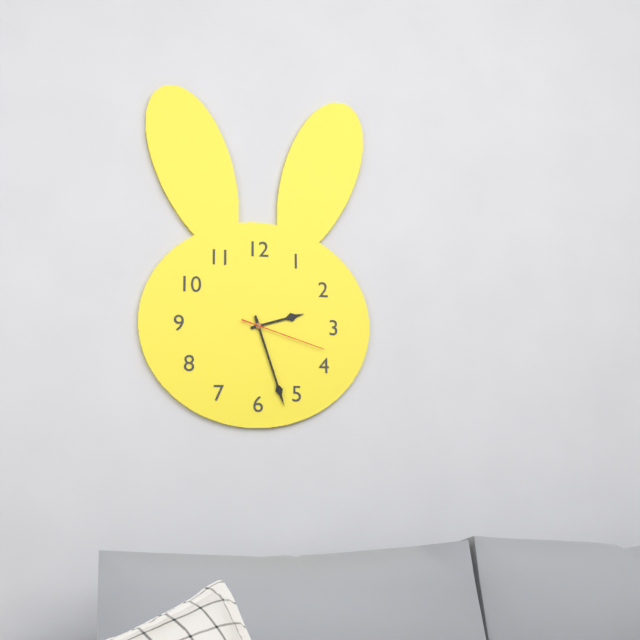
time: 2:27:18
